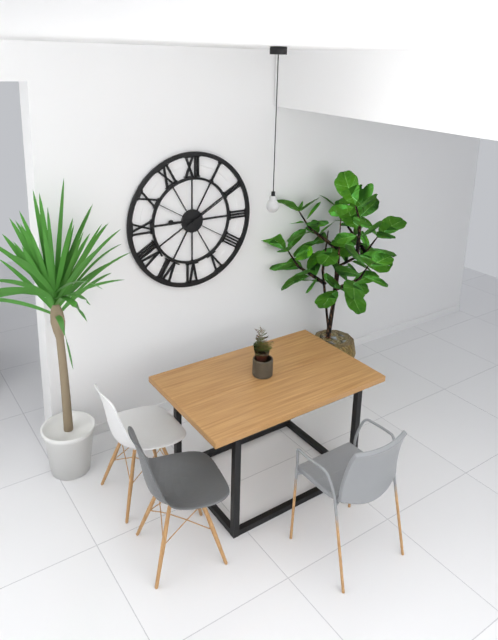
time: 9:10
